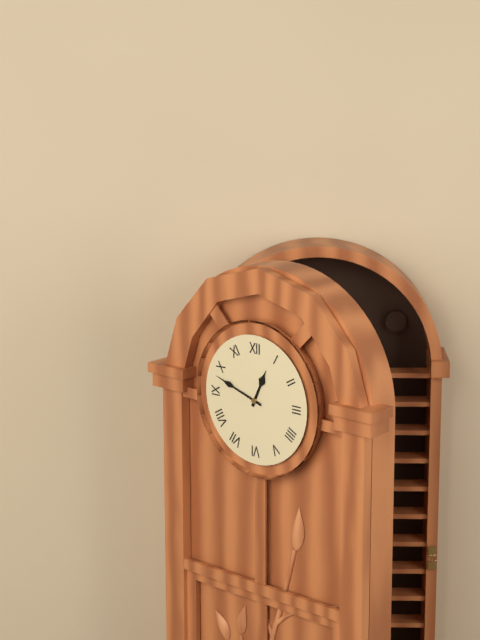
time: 12:48
